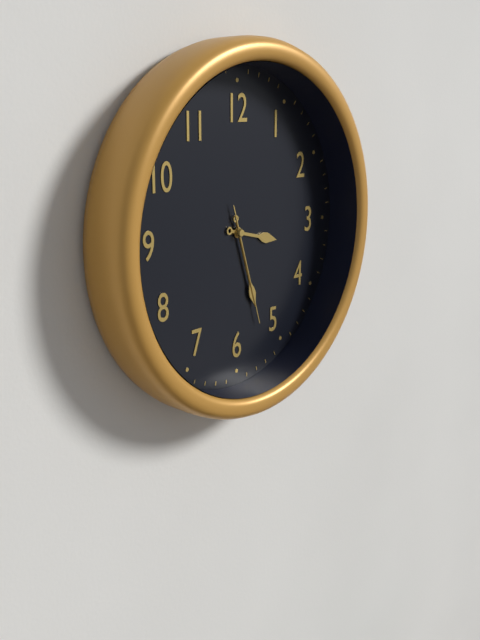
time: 3:27:27
